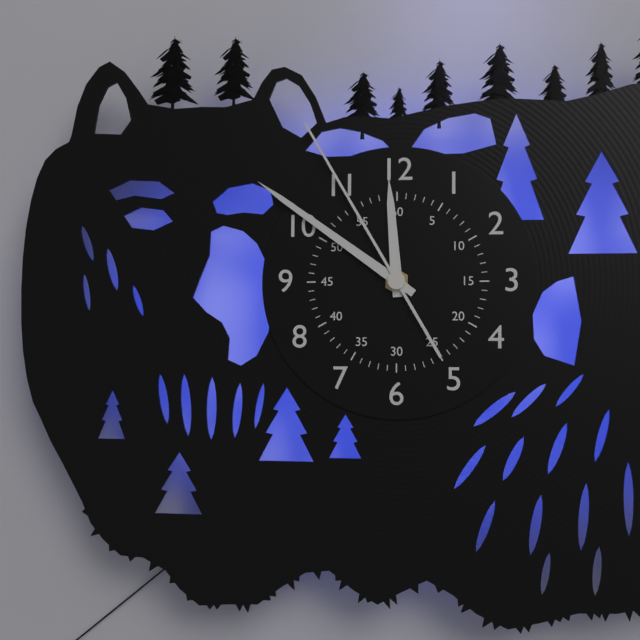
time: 11:51:55
